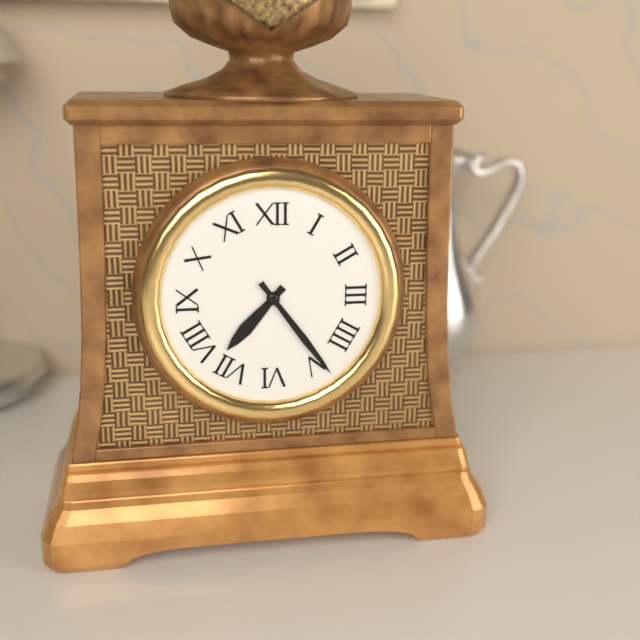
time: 7:24
